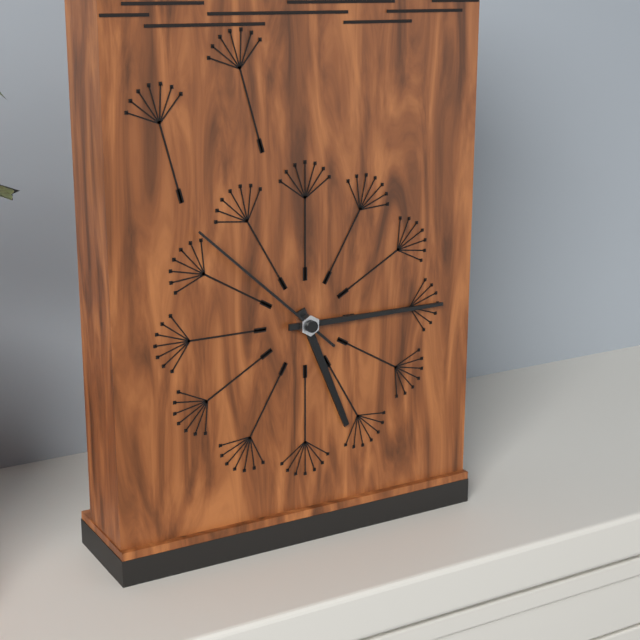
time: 5:15:52
